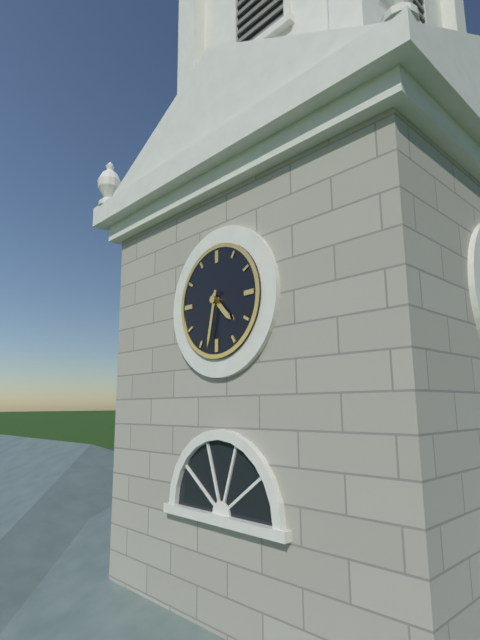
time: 4:32
